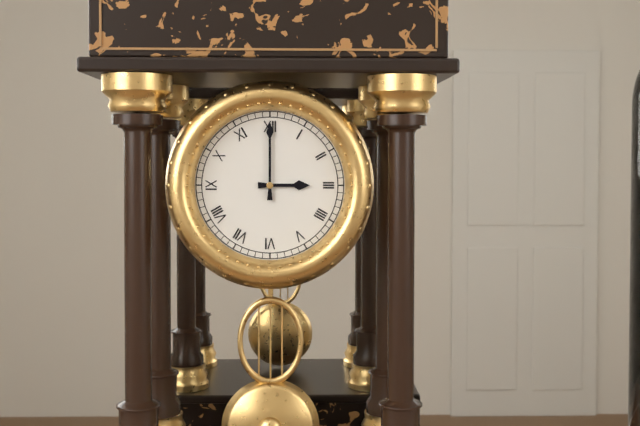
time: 3:00
